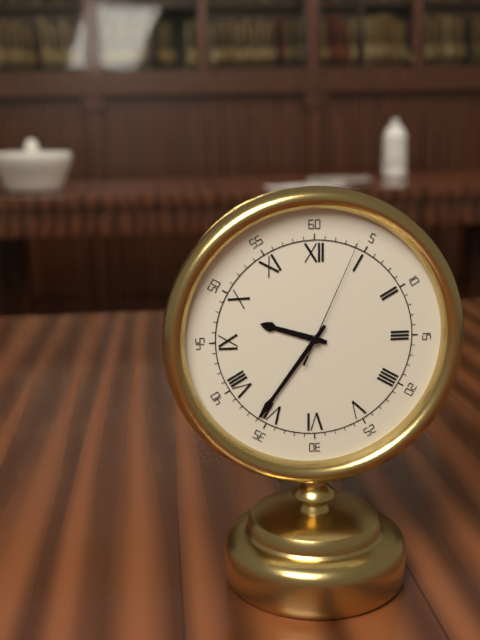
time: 9:36:04
